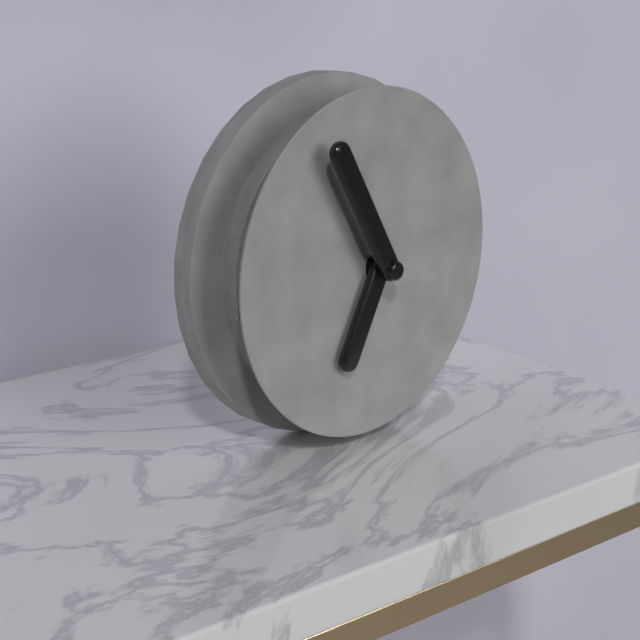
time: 6:55
